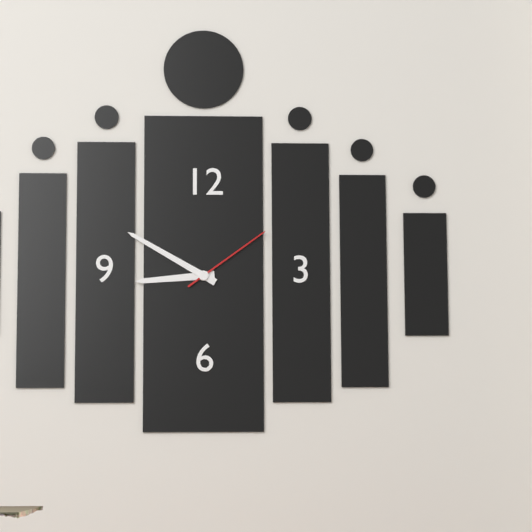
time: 8:50:09
